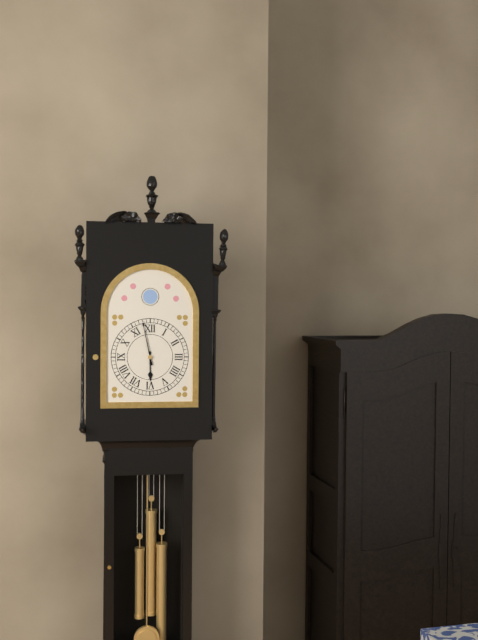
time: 5:58
